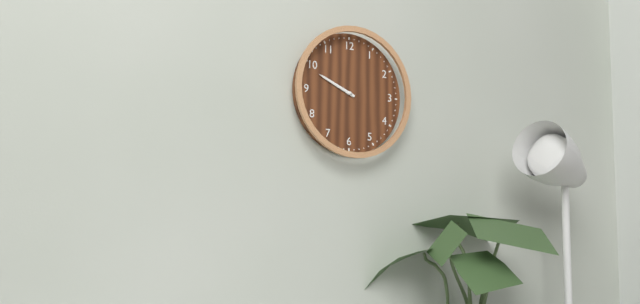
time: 9:49
